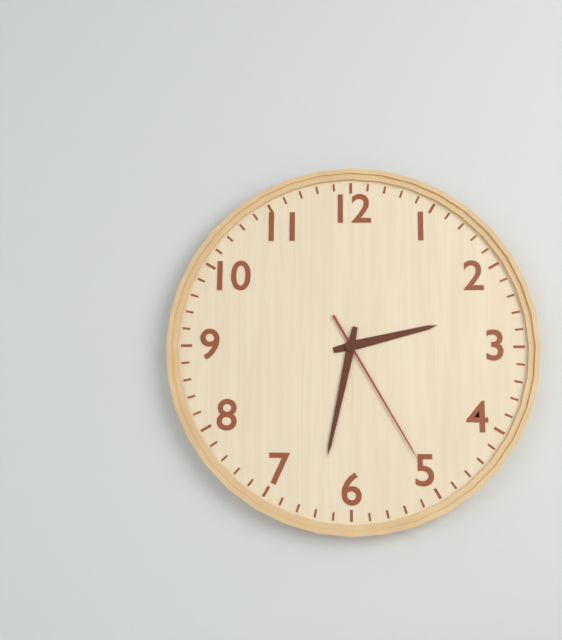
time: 2:32:25
